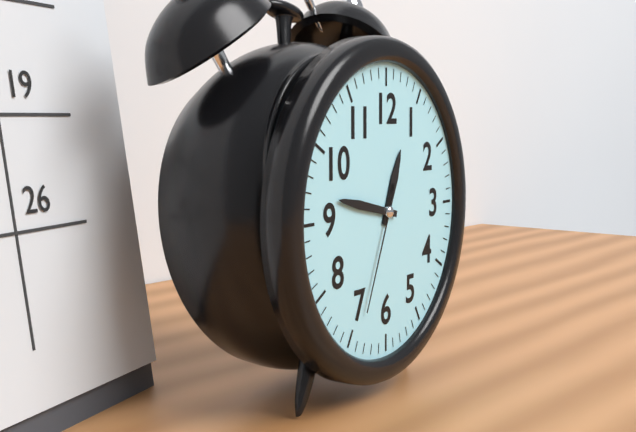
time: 12:47:34
